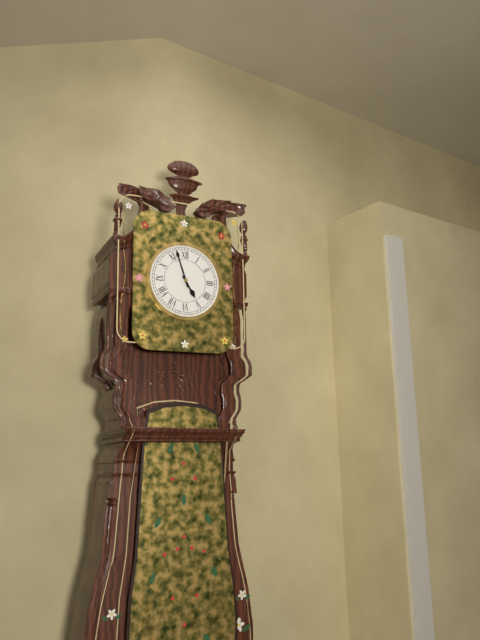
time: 4:57
